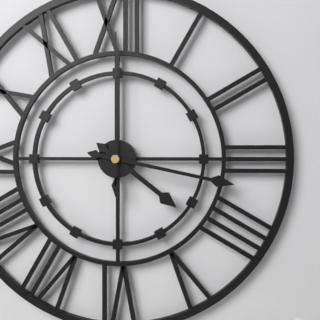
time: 4:17:00
